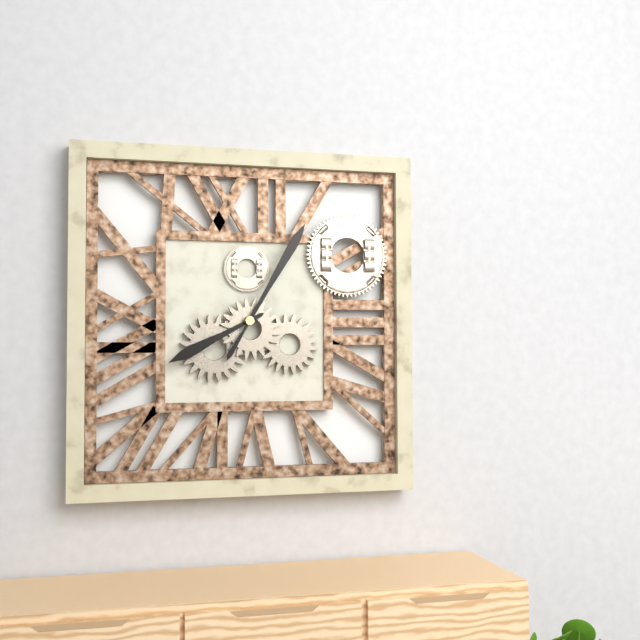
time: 8:05
